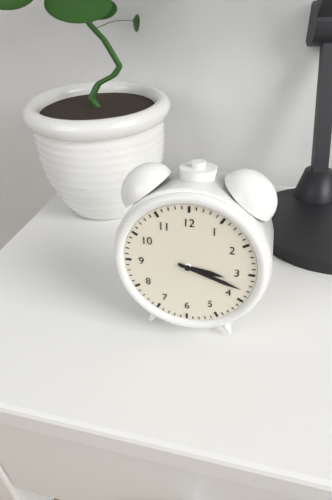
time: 3:18
